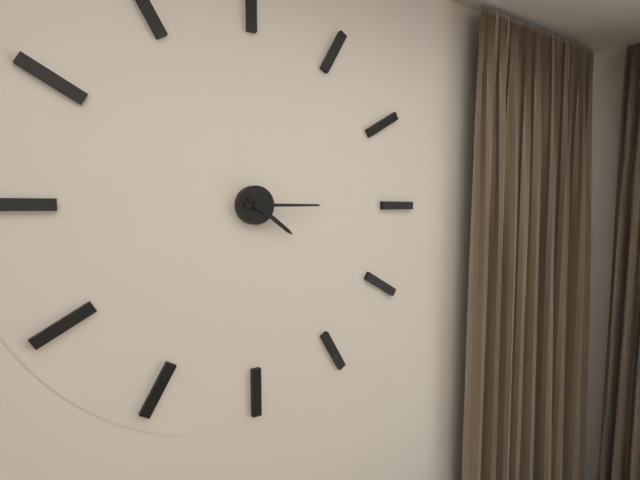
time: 4:15
